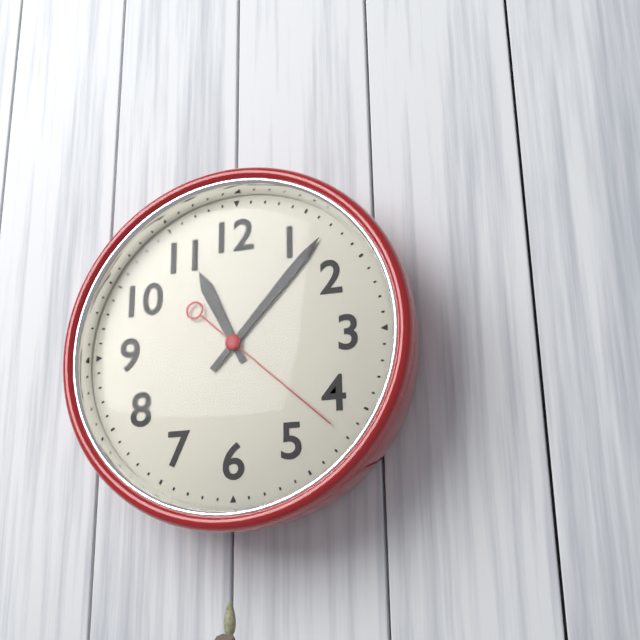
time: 11:07:22
